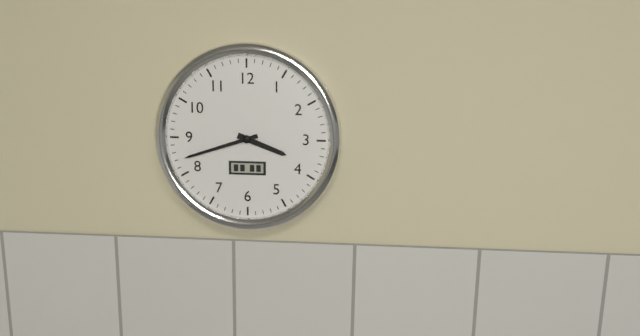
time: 3:42
